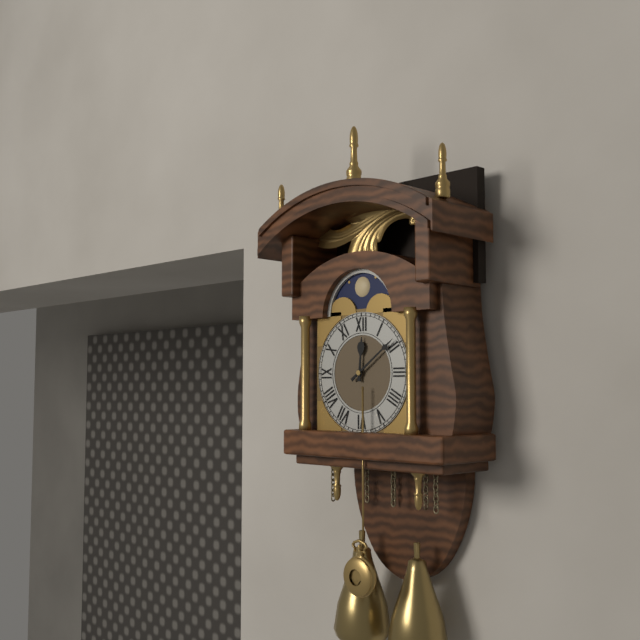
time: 12:09
